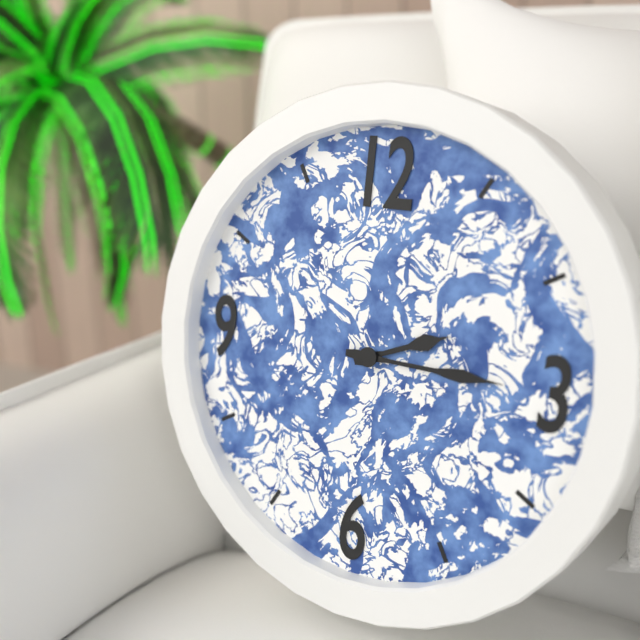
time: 2:15
